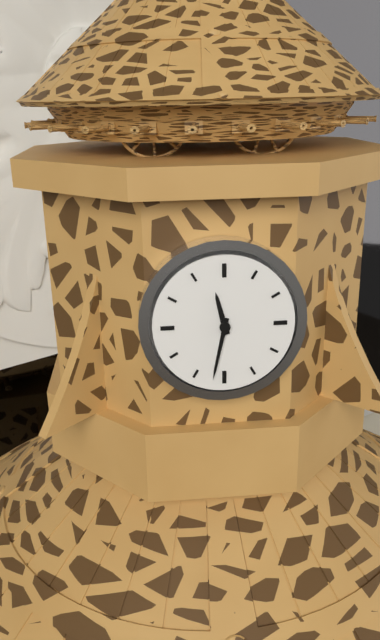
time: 11:32
